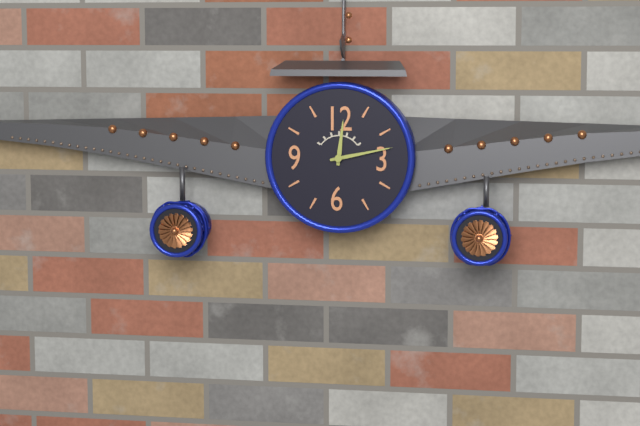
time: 12:13
